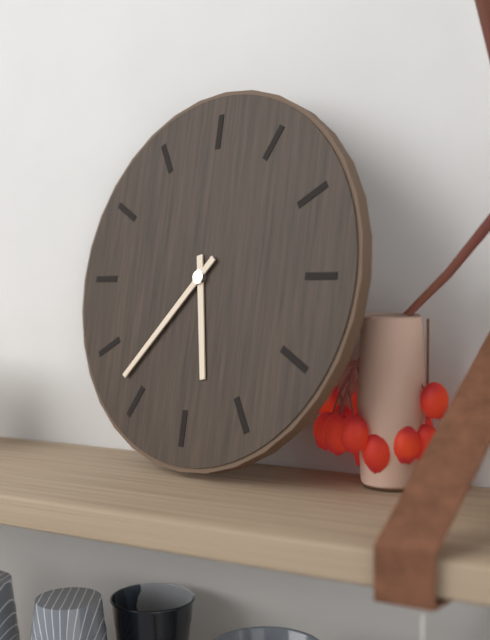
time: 5:37
